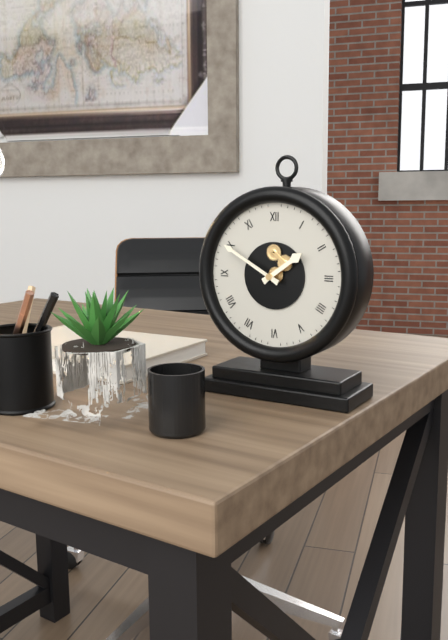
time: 1:50
